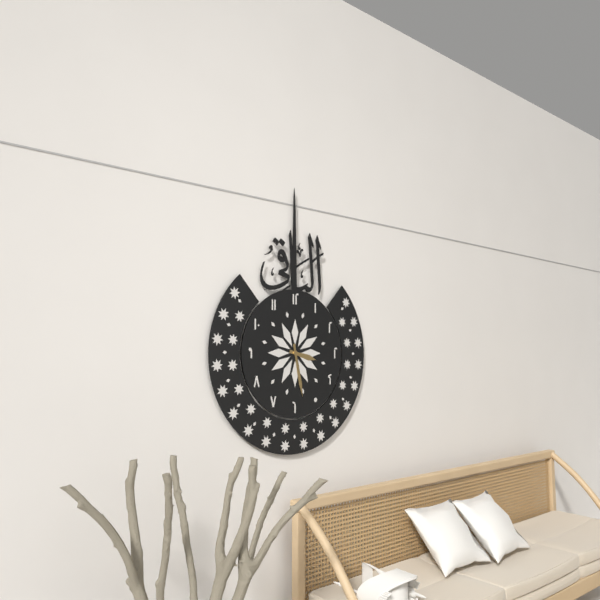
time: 3:28
